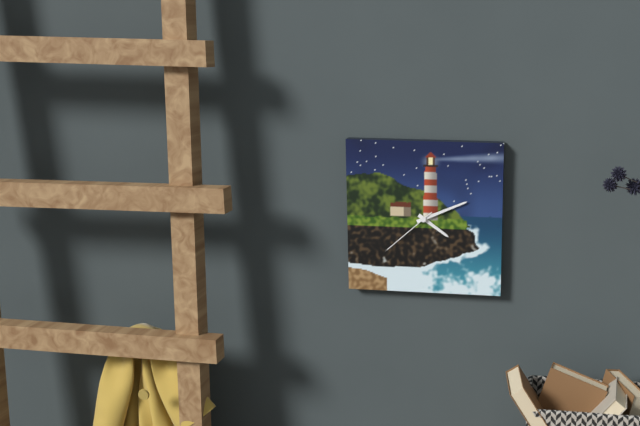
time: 4:11:38
